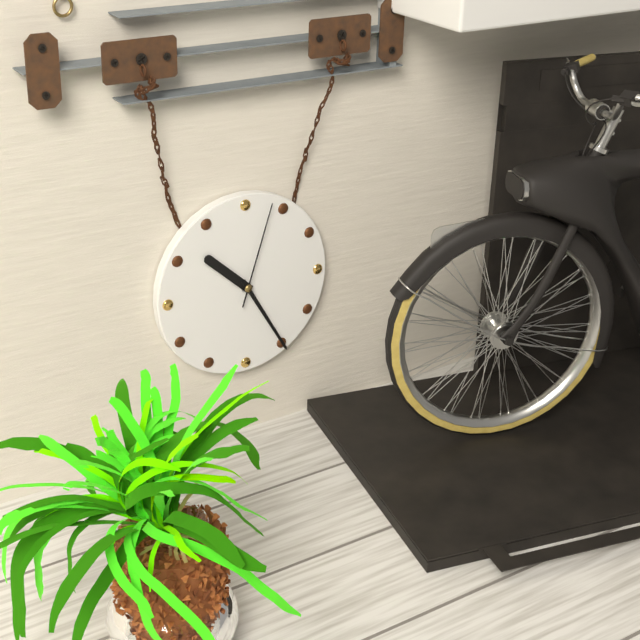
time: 10:25:03
